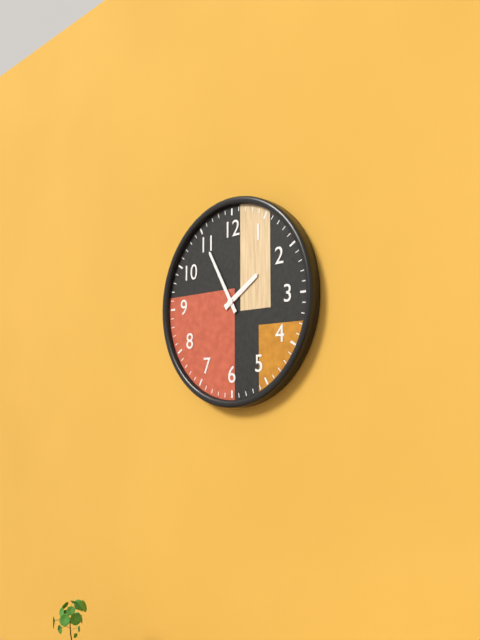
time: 1:55
